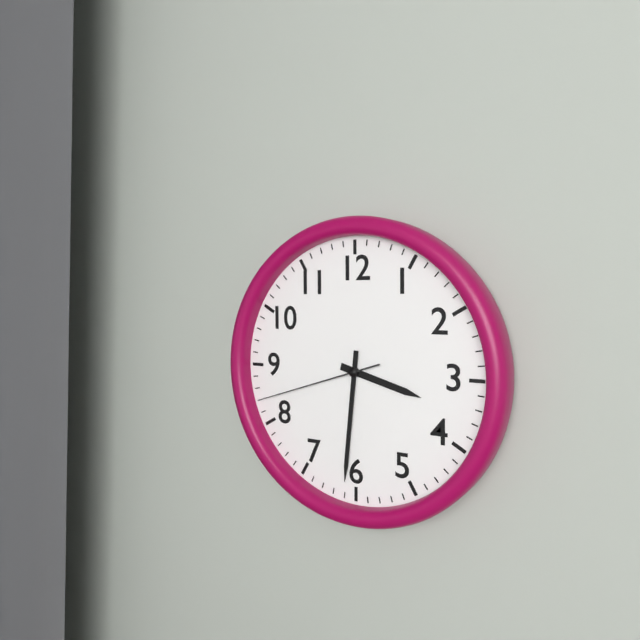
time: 3:31:42
